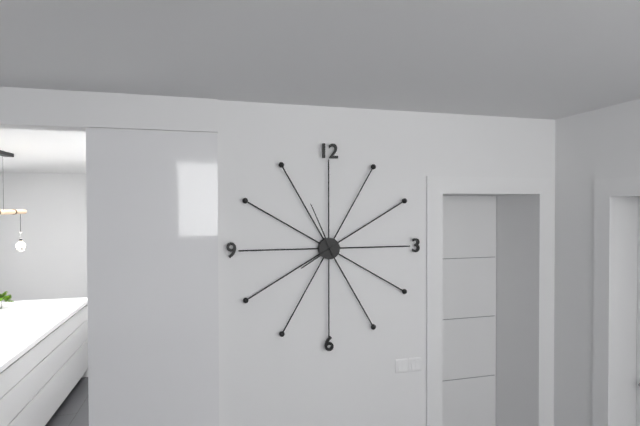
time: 7:56
